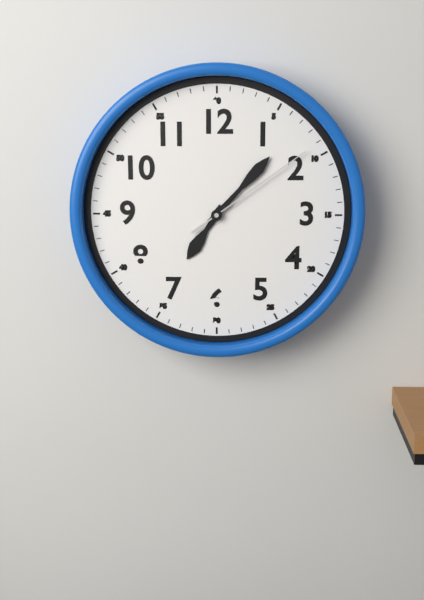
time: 7:07:09
